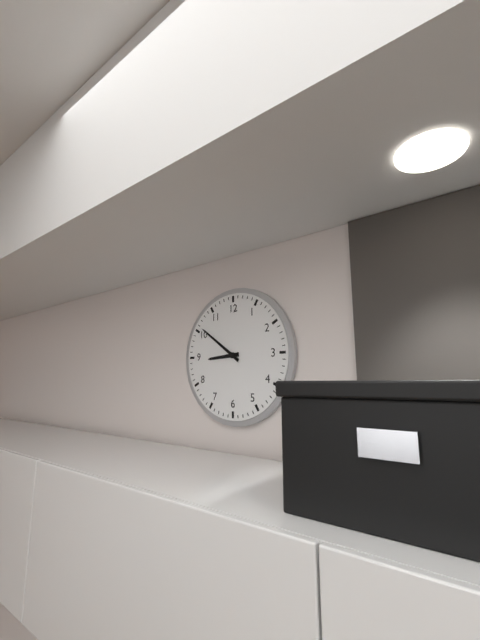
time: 8:51
